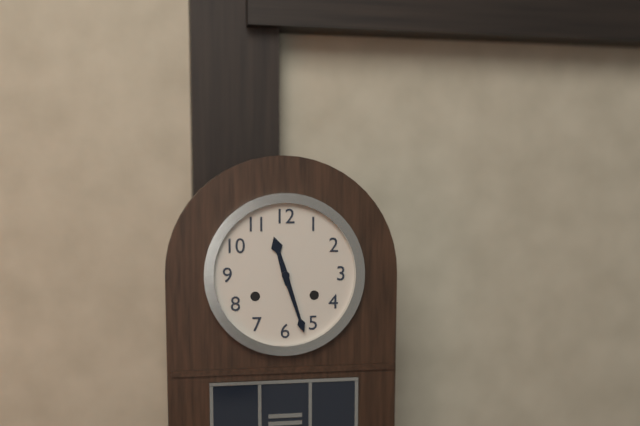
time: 11:27
